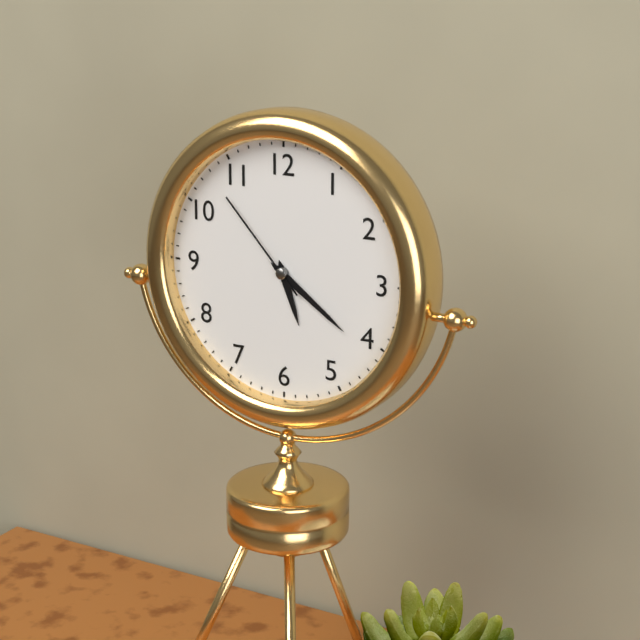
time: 5:21:53
